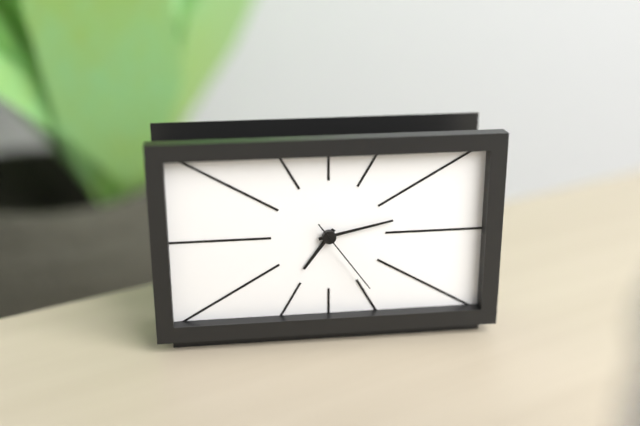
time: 7:13:24
